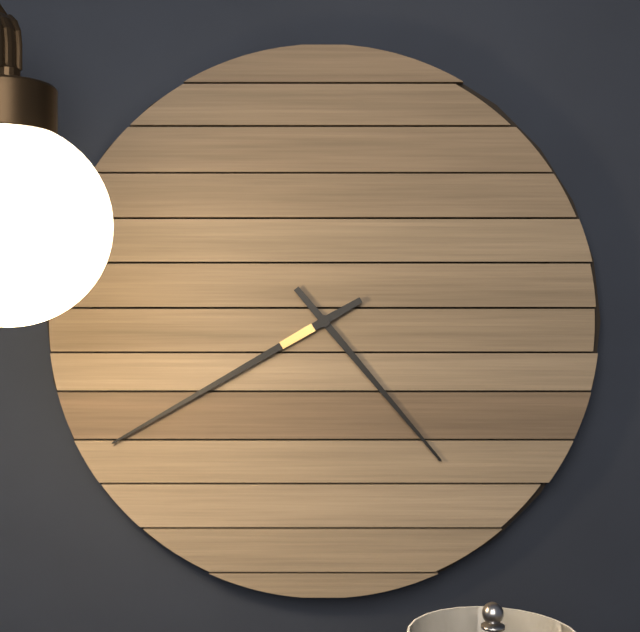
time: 4:40
